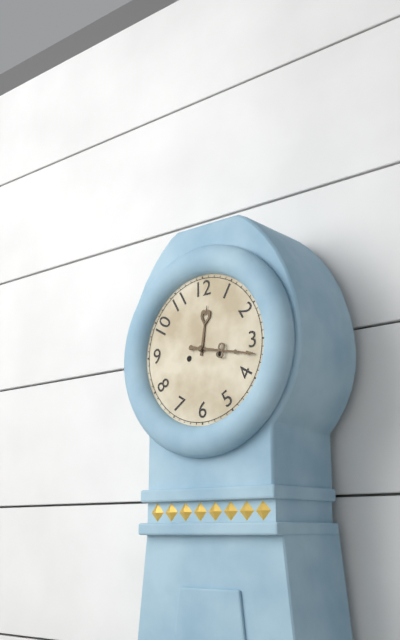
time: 12:17
